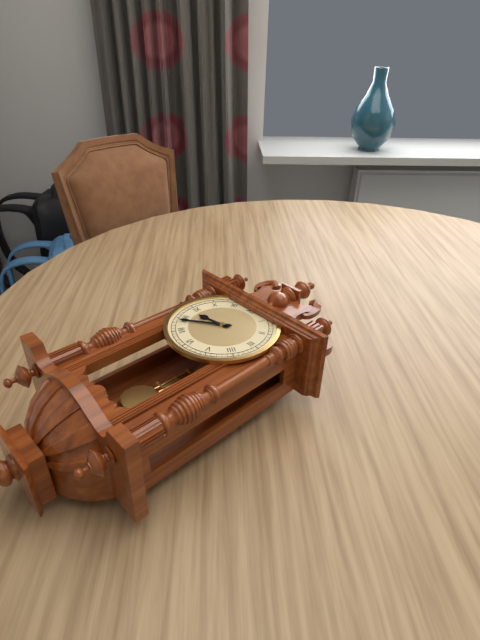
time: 8:39
